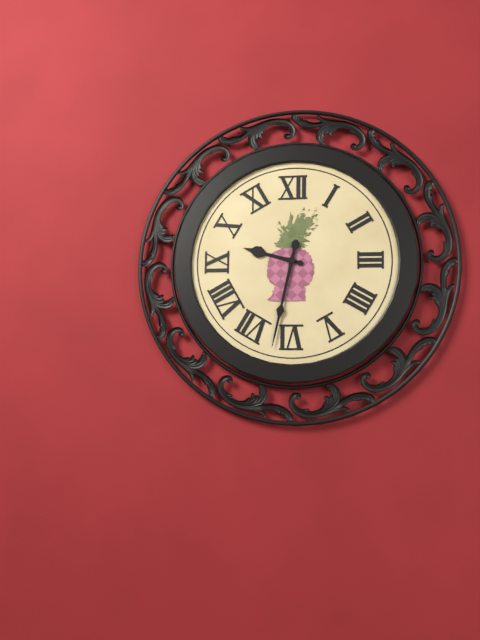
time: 9:32
